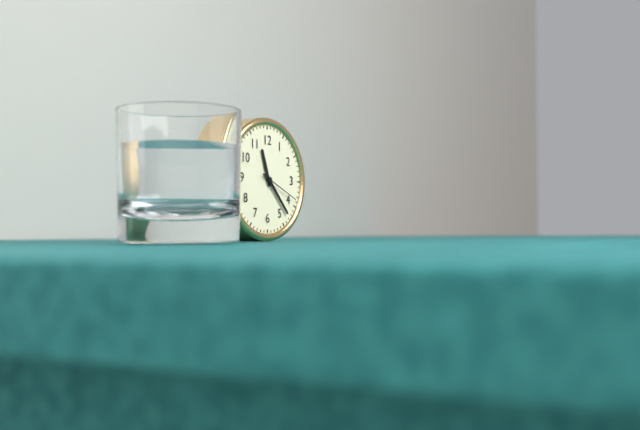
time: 11:23:19
